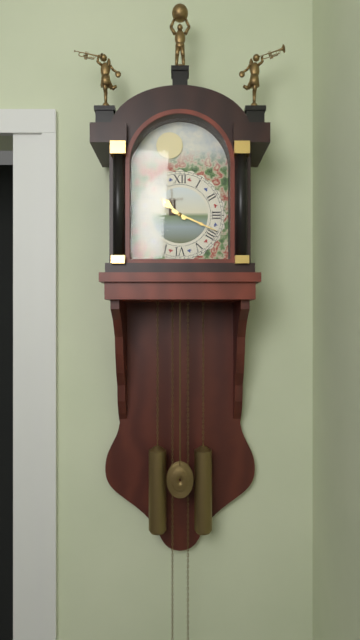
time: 10:19
